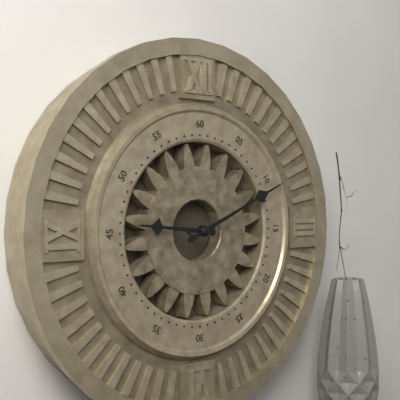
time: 9:11
